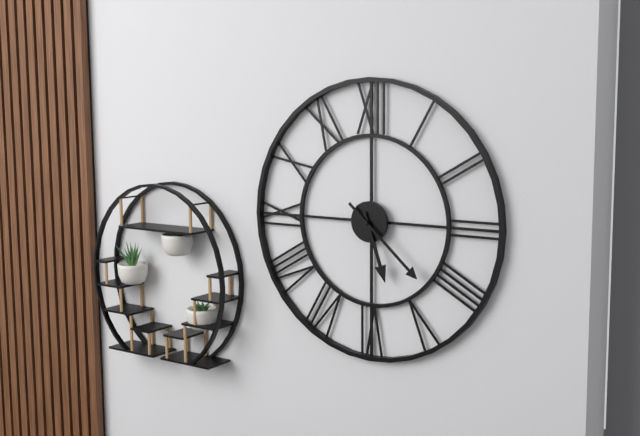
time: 5:22
